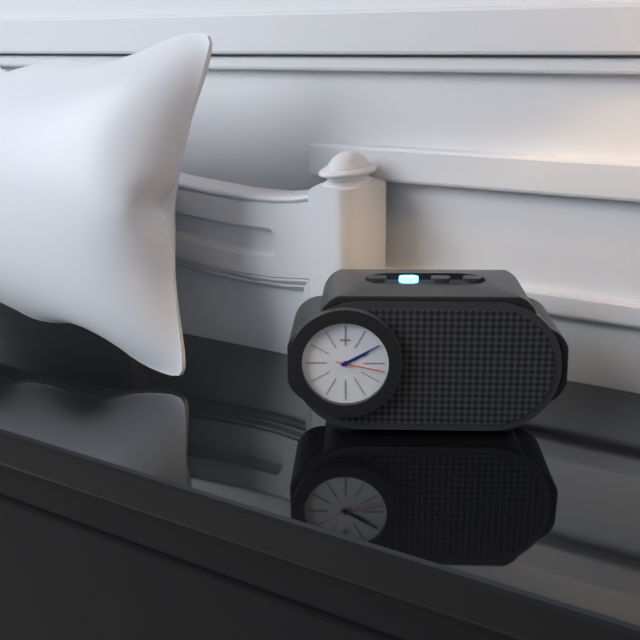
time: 2:10:17
